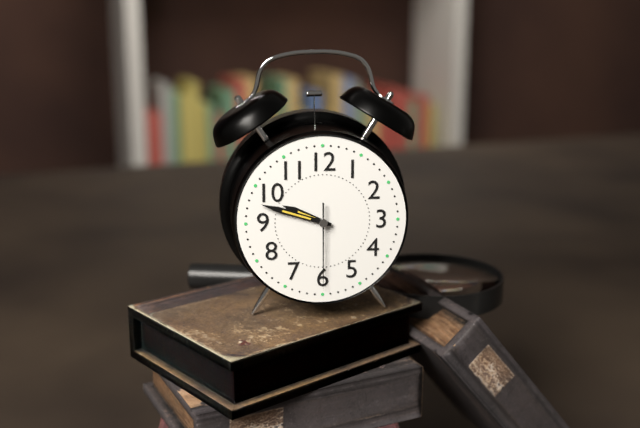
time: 9:48:30
